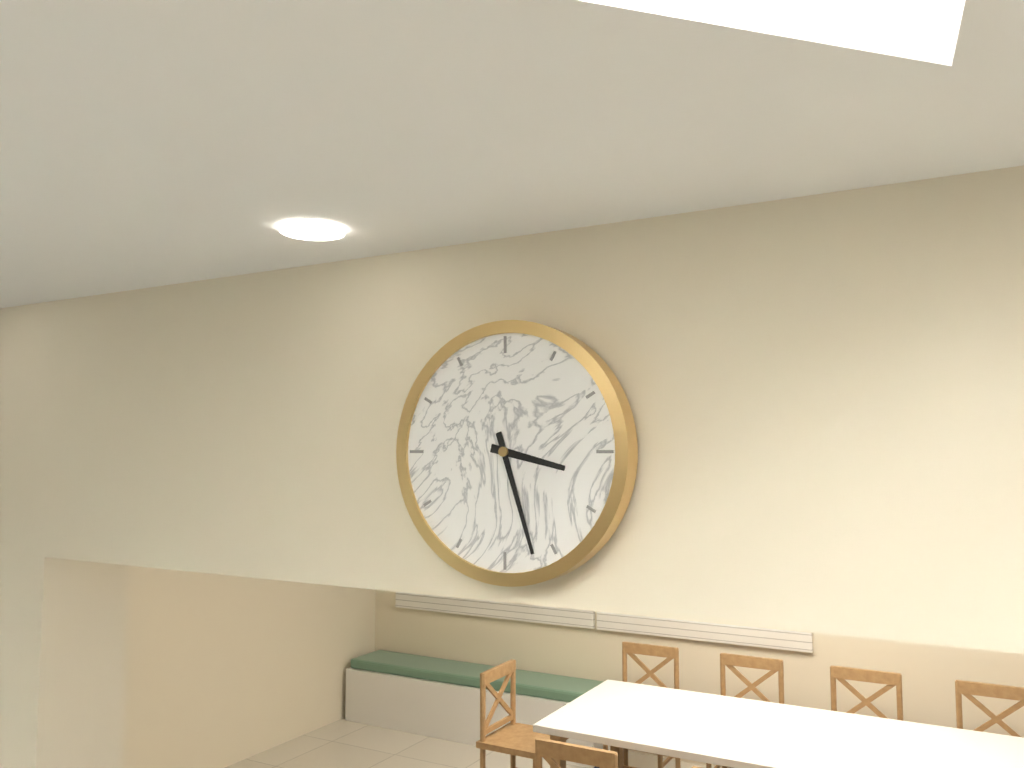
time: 3:27
